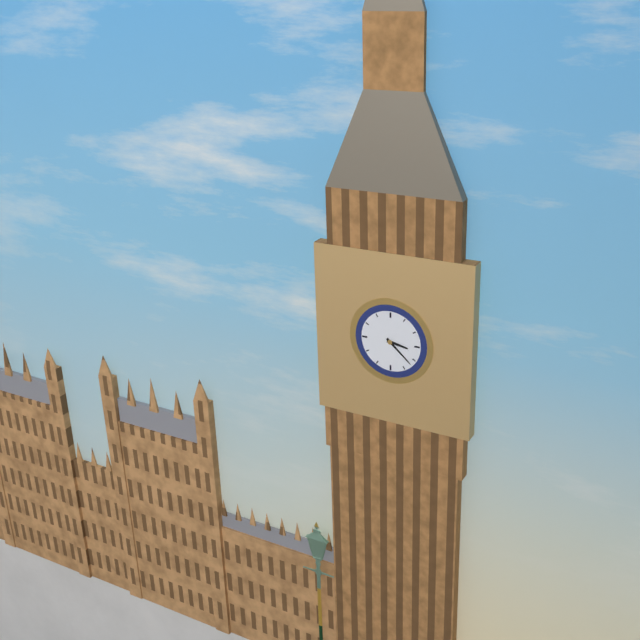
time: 3:22
